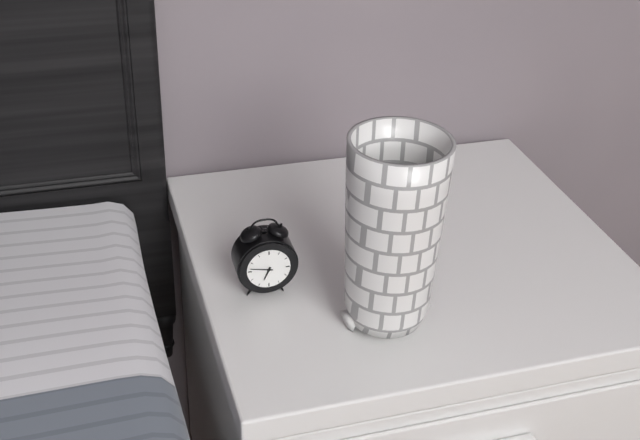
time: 6:47
